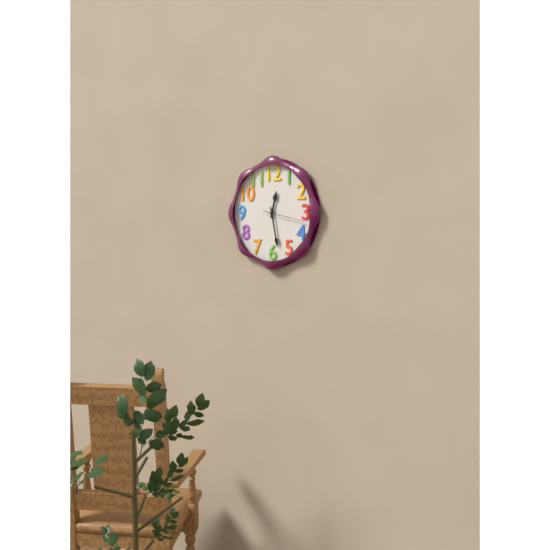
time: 12:28
